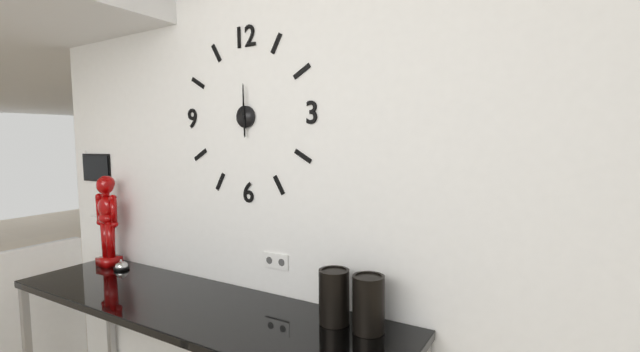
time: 6:00
